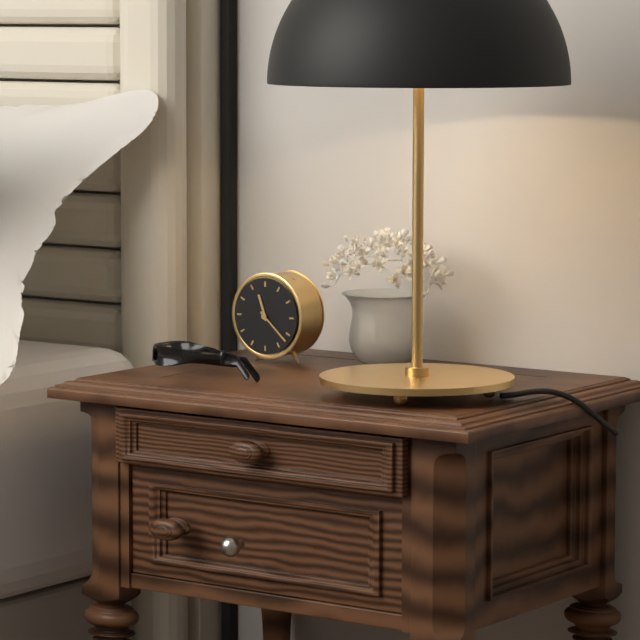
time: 11:22
